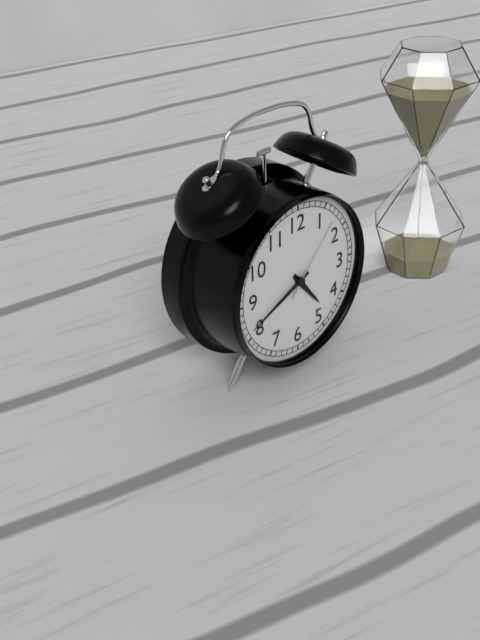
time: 4:41:07
